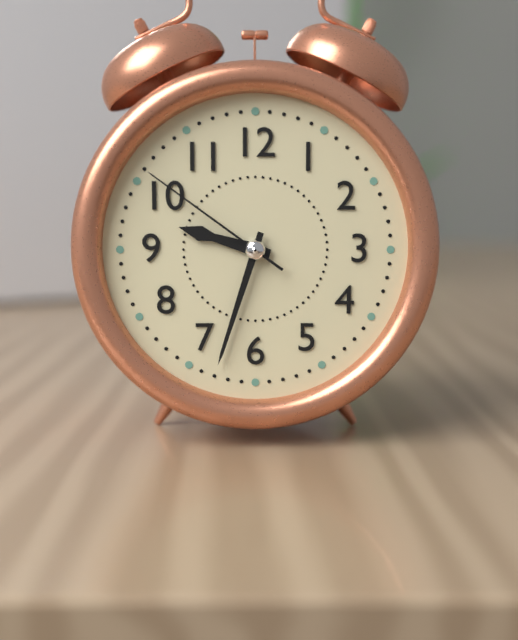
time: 9:33:51
